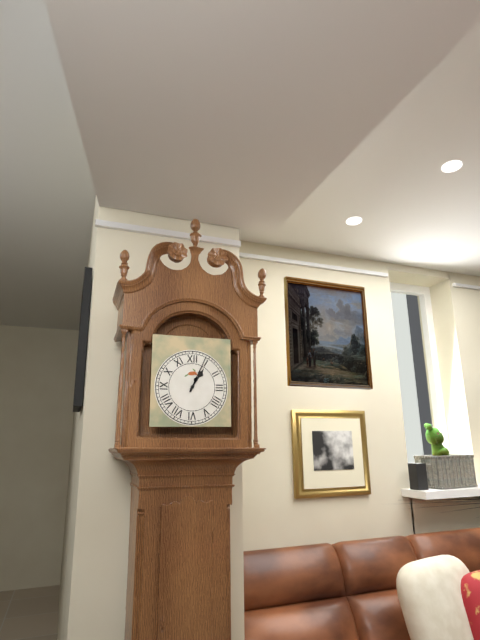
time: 1:04
